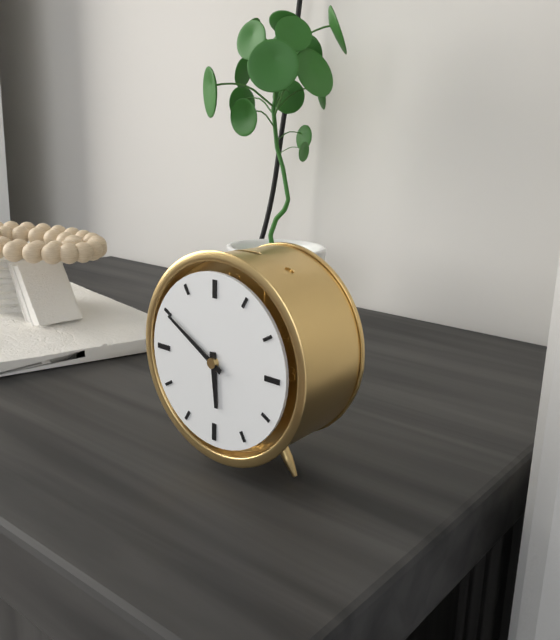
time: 5:50
